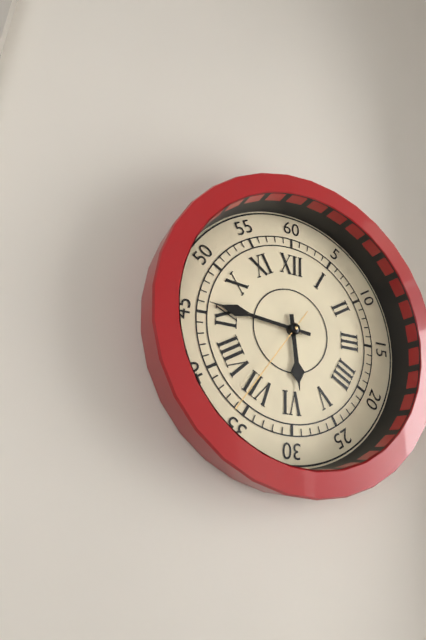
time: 5:46:36
